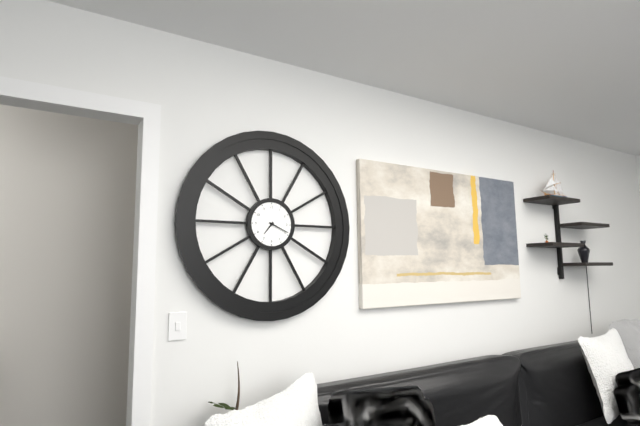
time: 7:19
